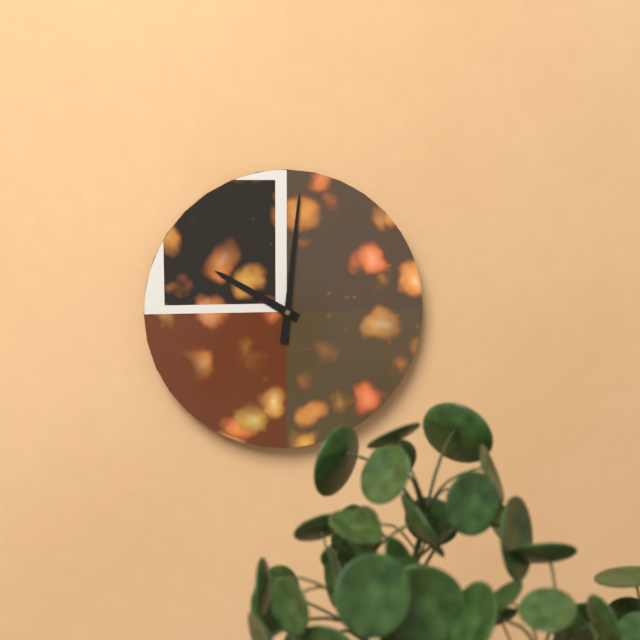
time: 10:01
